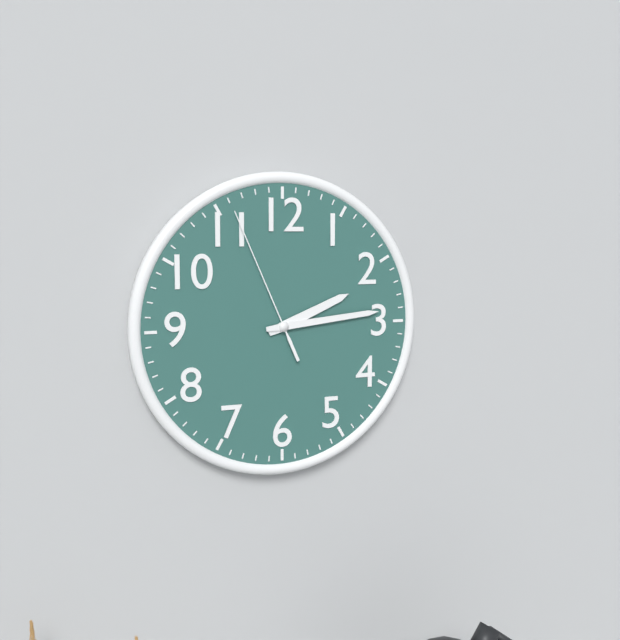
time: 2:14:56
